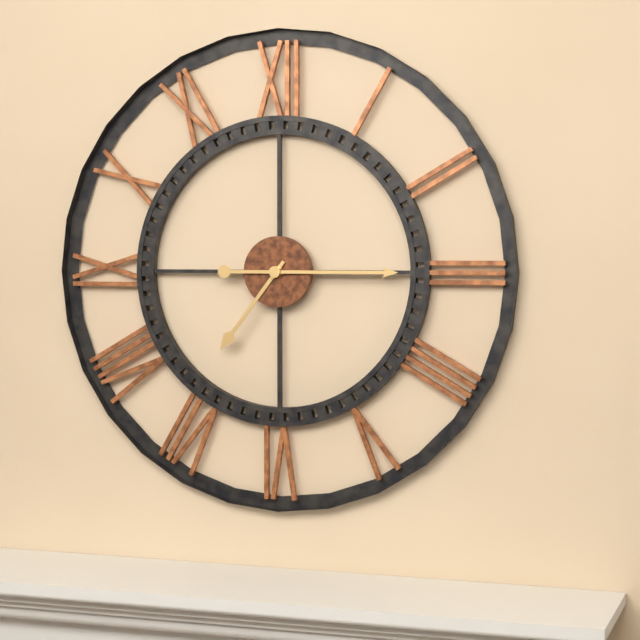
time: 7:15
